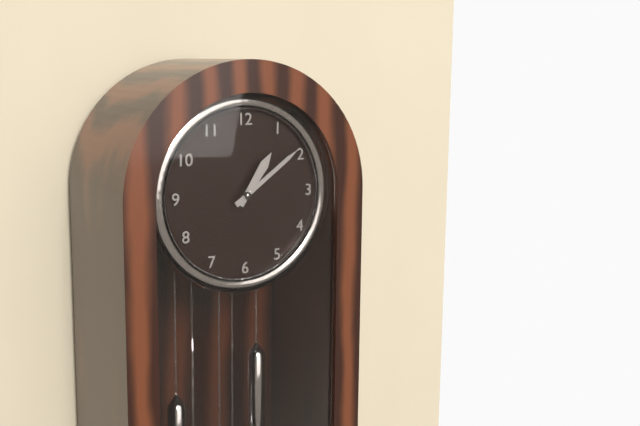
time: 1:09
